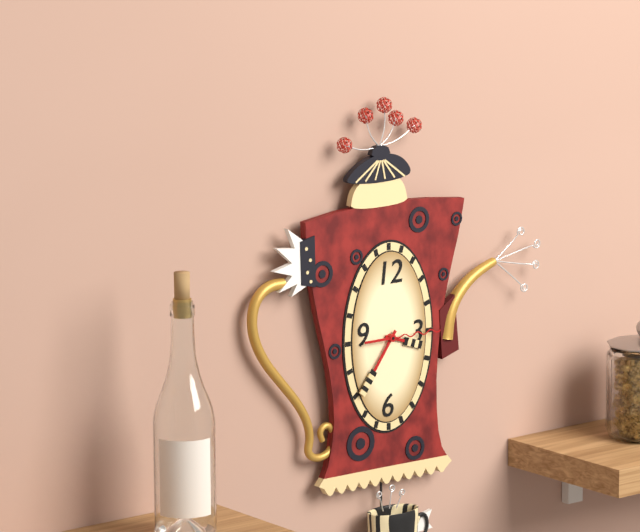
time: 3:36:15
